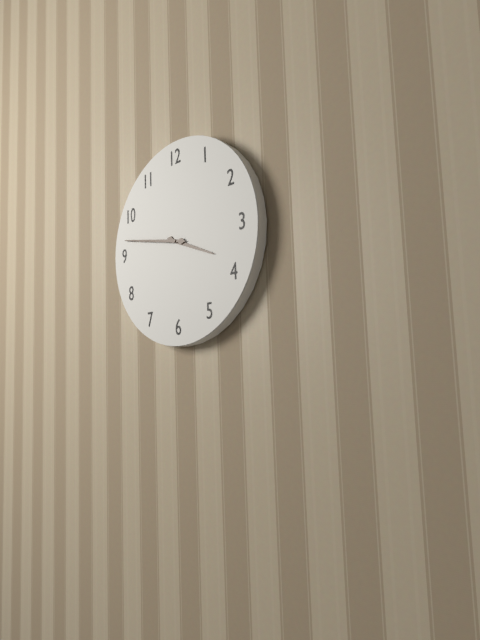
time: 3:47
